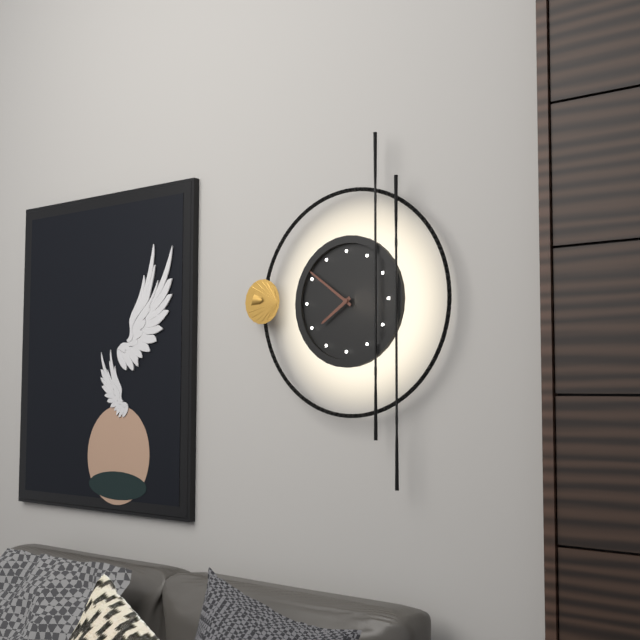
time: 7:51
